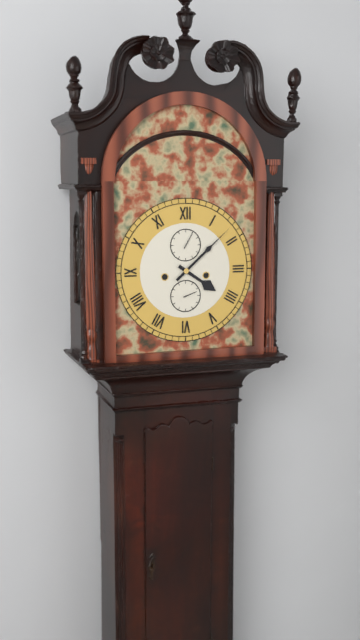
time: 4:08
